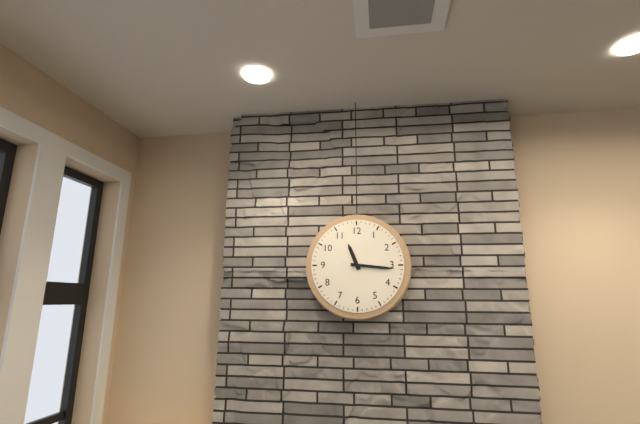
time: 11:16
